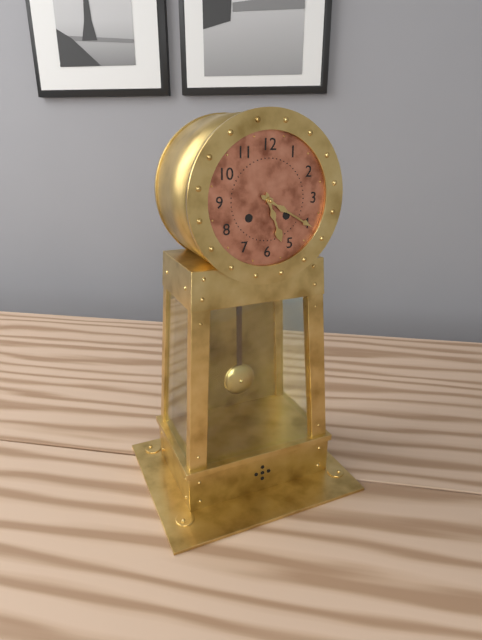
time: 5:20
